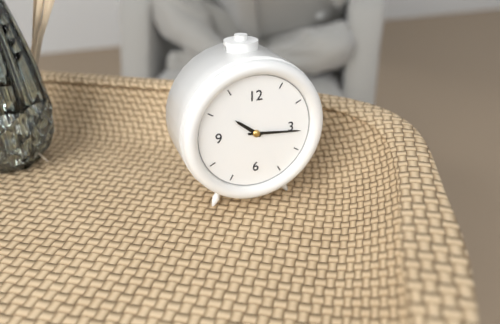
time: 10:16
